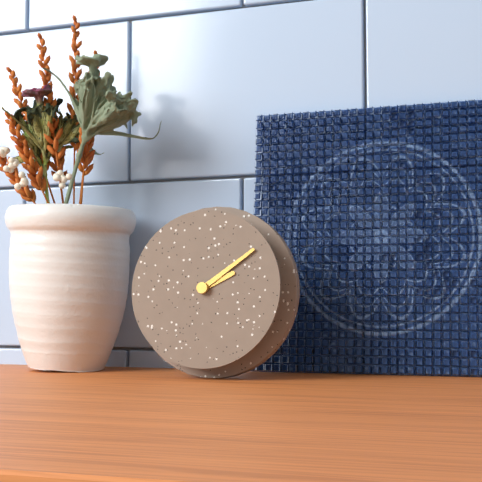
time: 2:09
